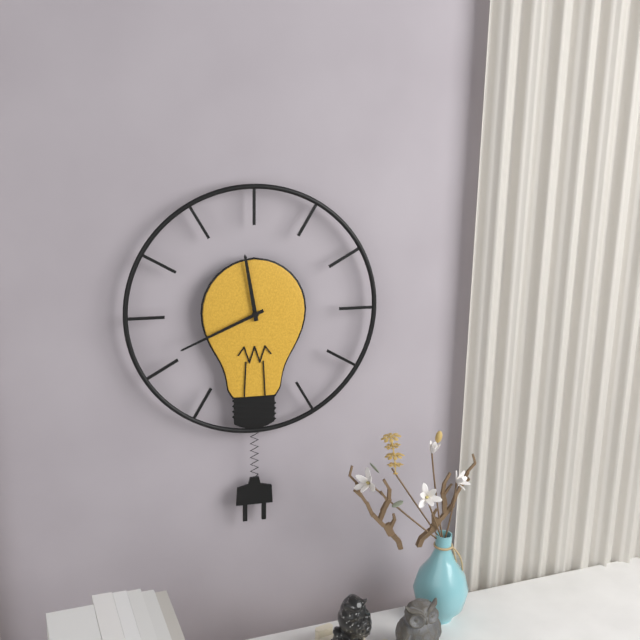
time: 11:41
